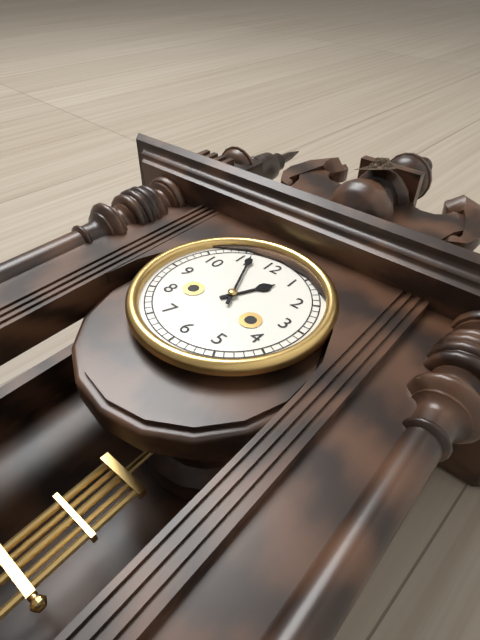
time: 12:56
